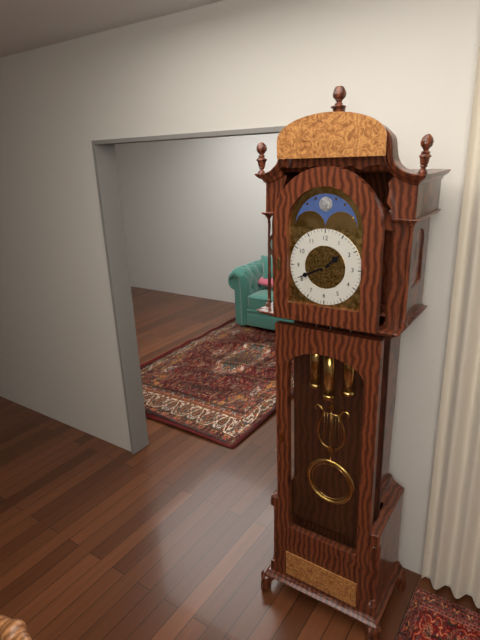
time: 1:41
